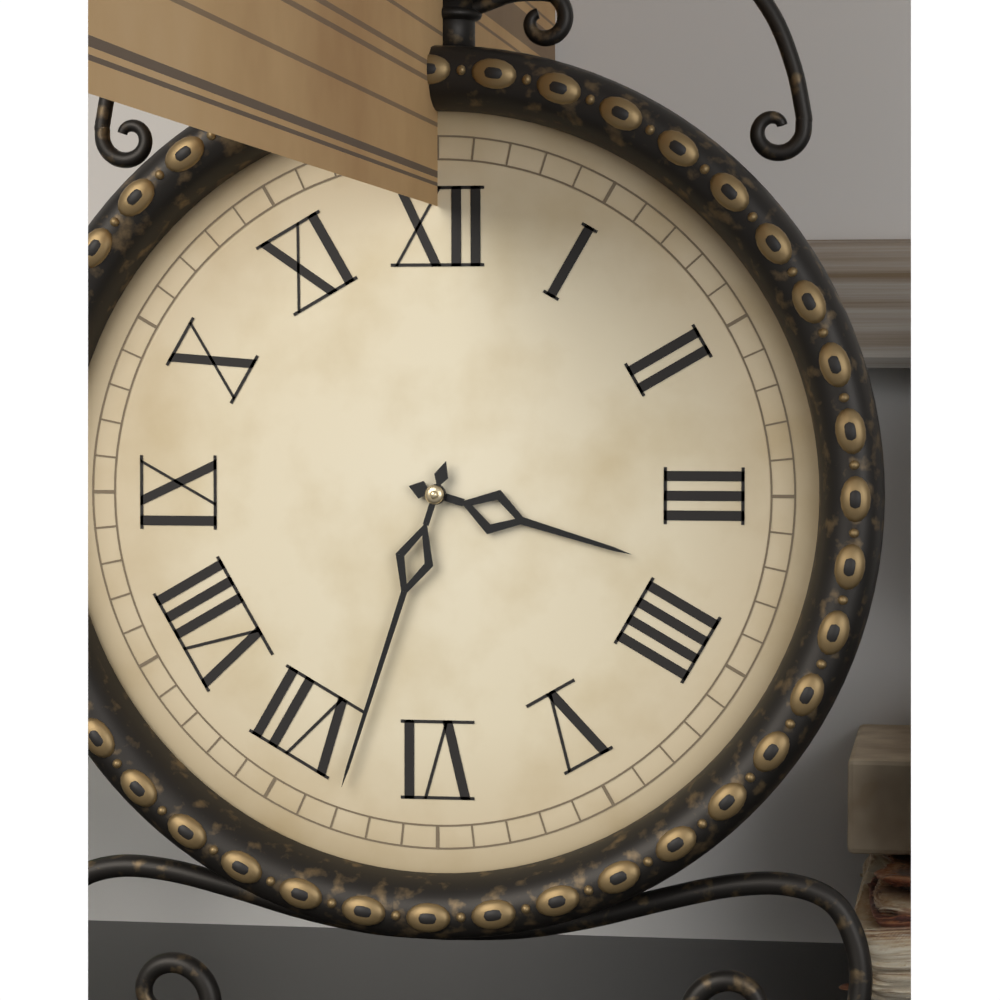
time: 3:33
